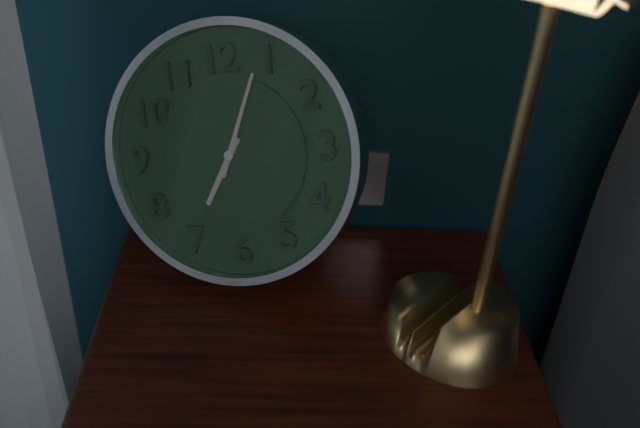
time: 7:04
